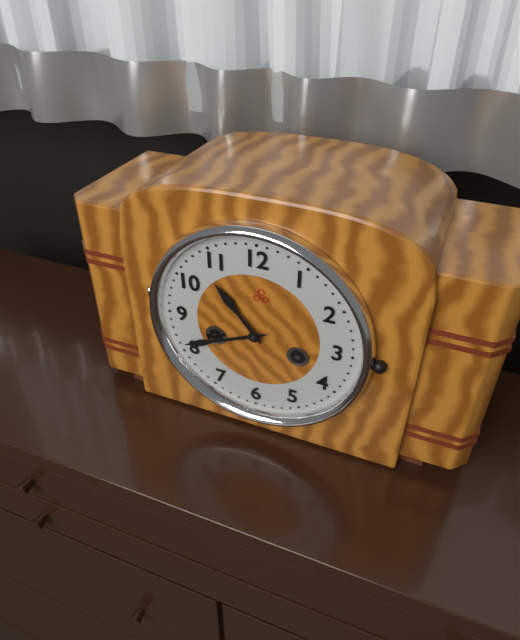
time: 10:41
